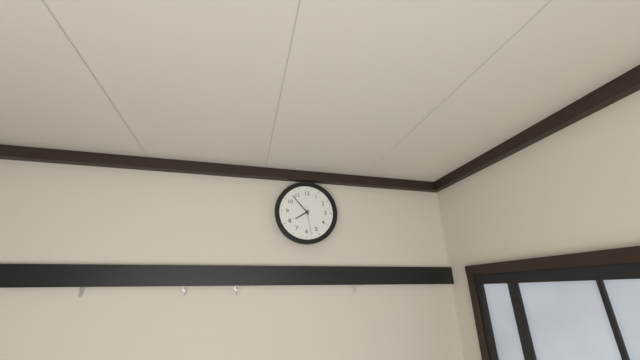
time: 7:53
